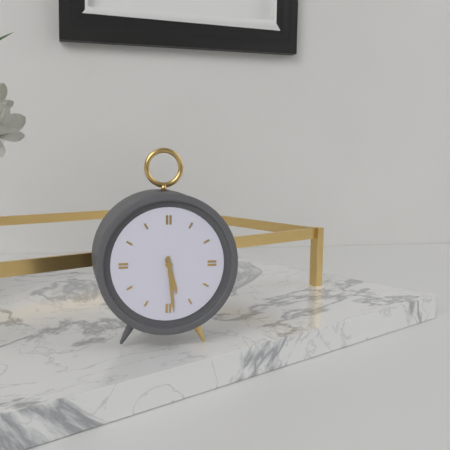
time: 5:29
